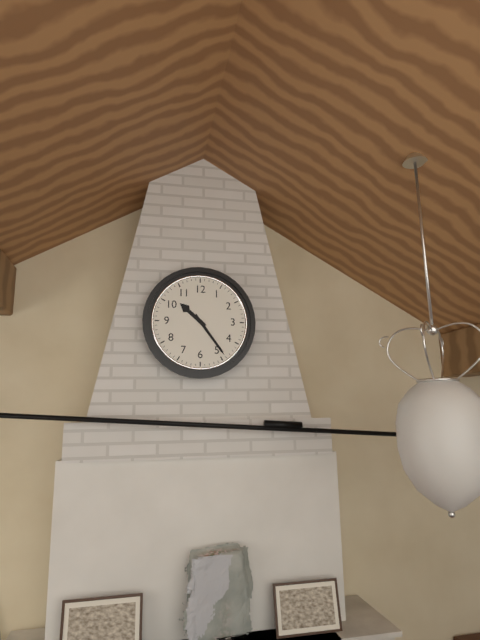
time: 10:24
